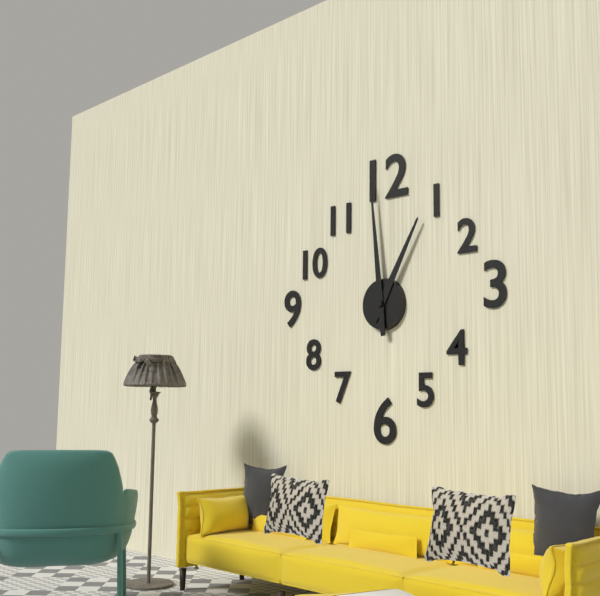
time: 12:59
